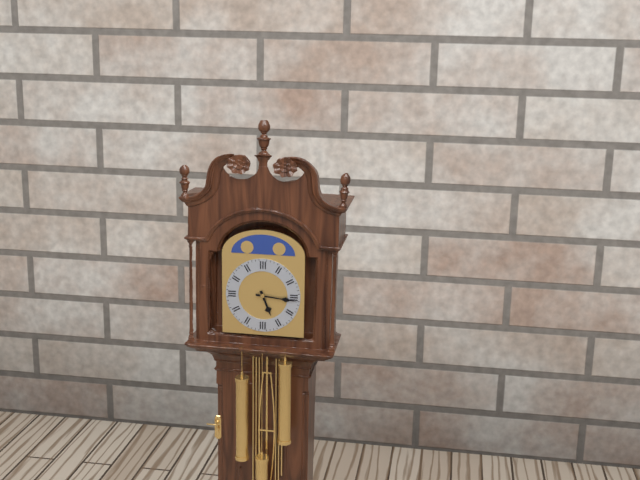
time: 5:16
